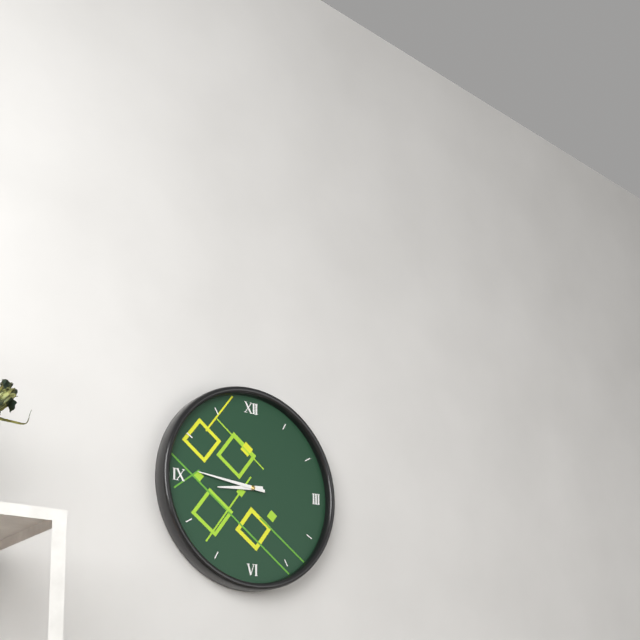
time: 8:46
